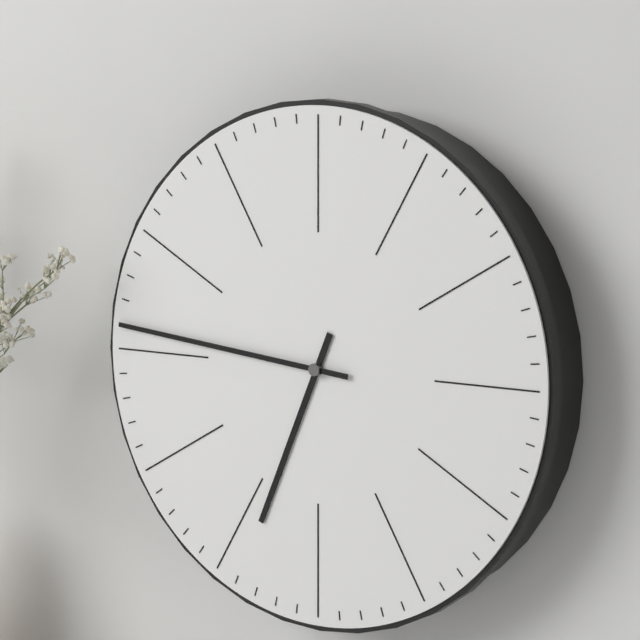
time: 6:46
